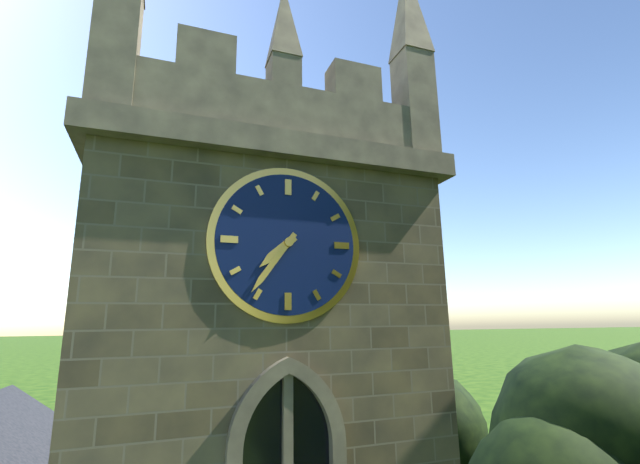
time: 7:36
